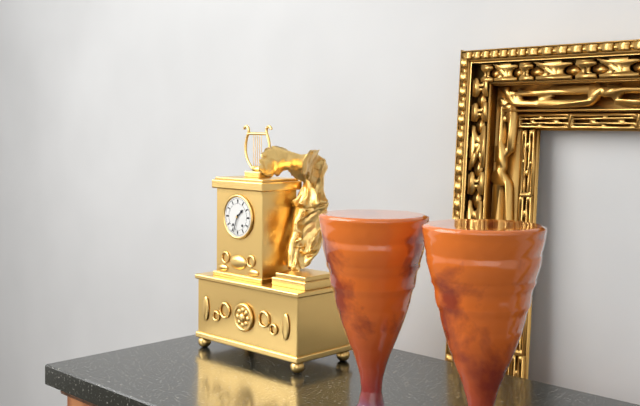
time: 1:33
